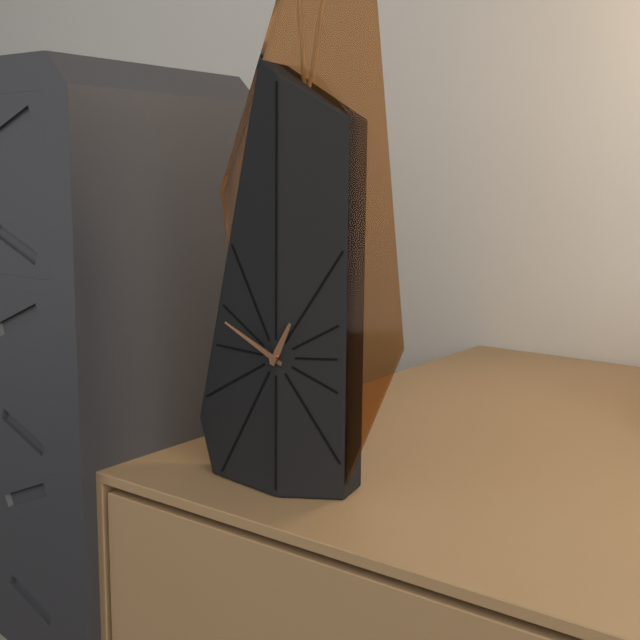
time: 12:50
